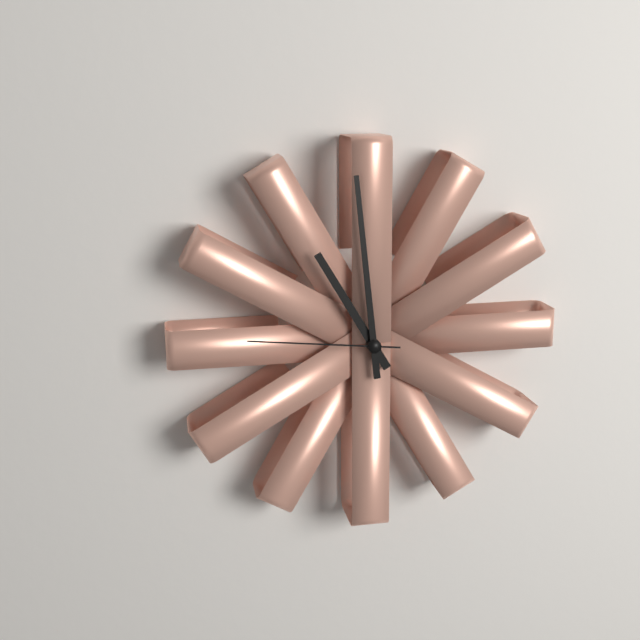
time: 10:59:46
